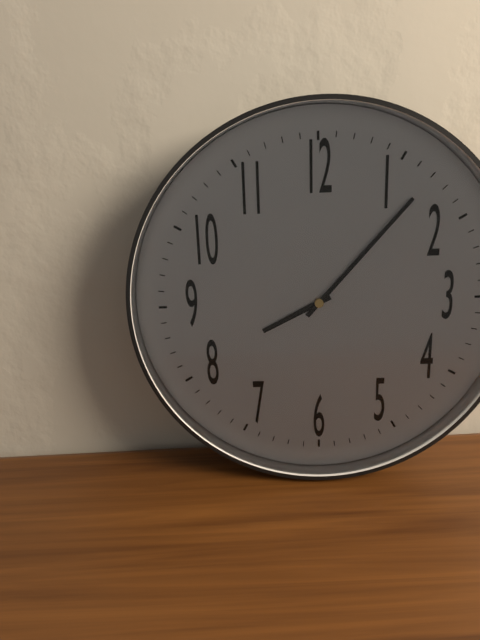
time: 8:07
